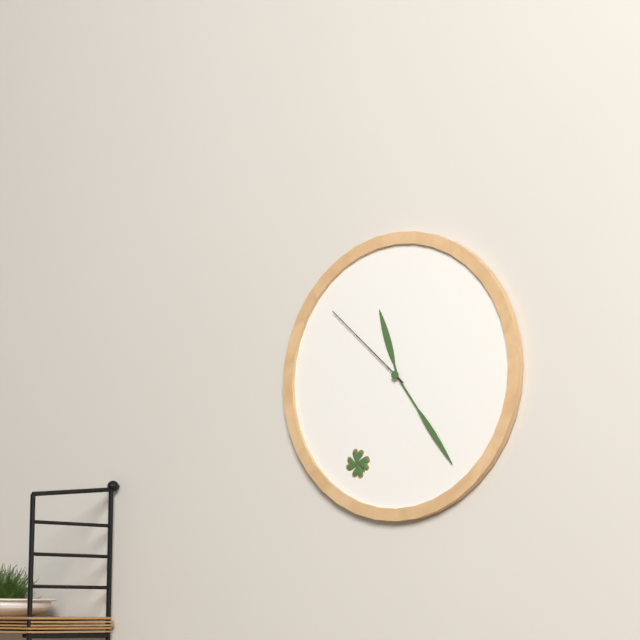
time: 11:24:52
